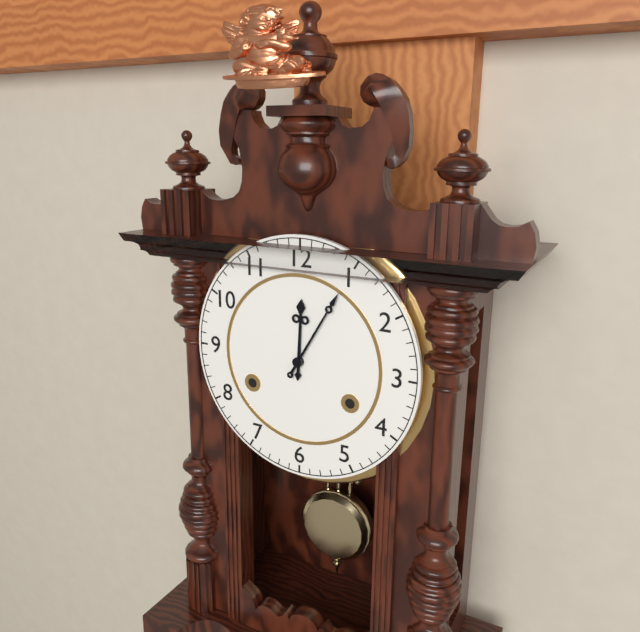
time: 12:05
